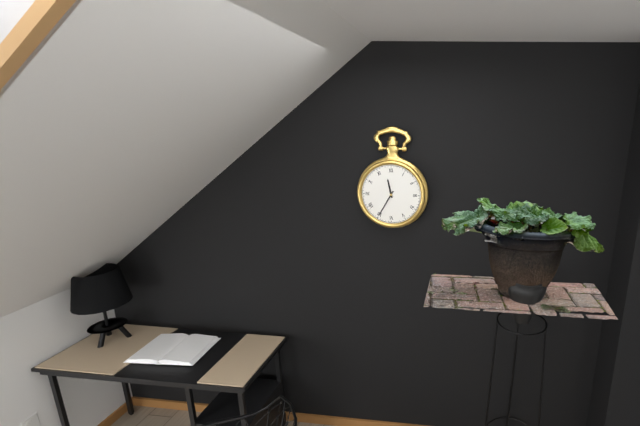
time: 11:35
